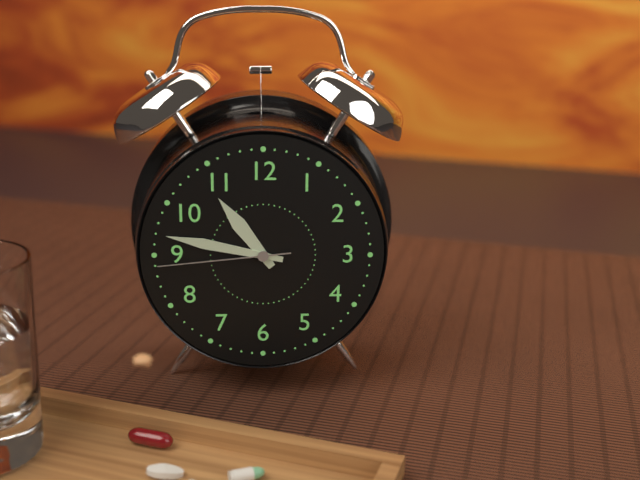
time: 10:47:44
